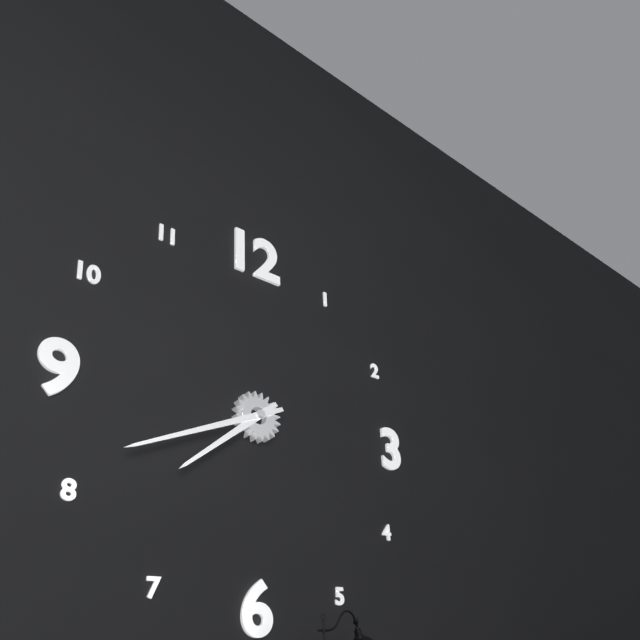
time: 7:41
